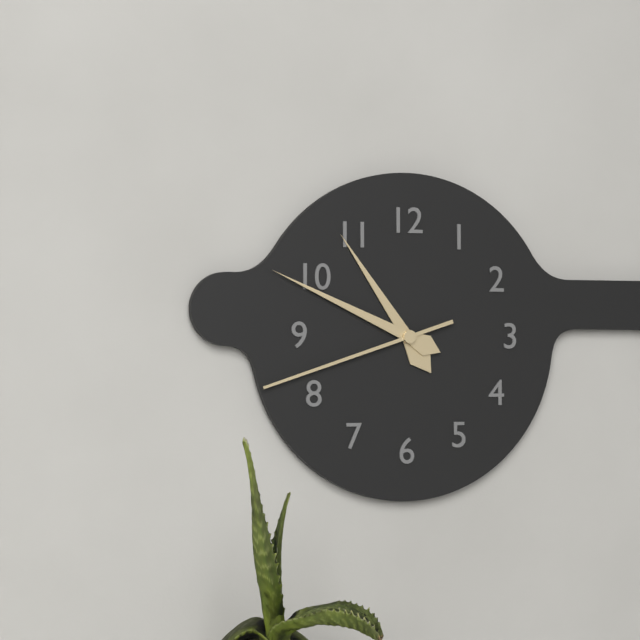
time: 10:49:42
